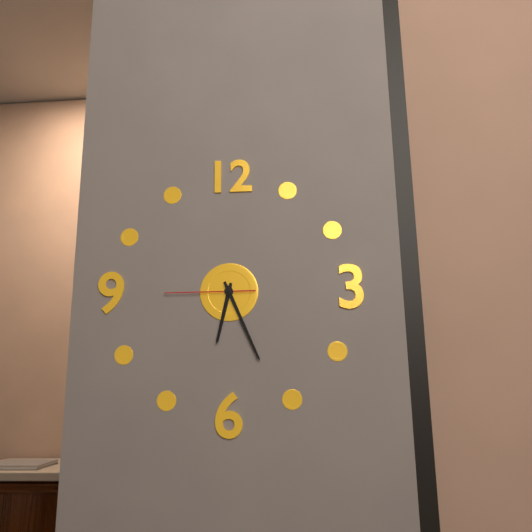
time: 6:26:45
